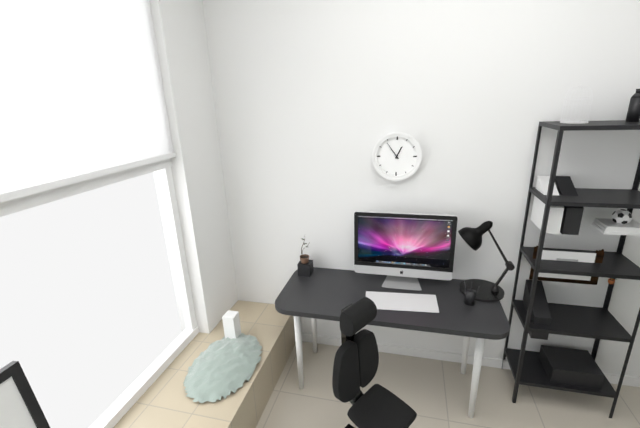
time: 12:54
